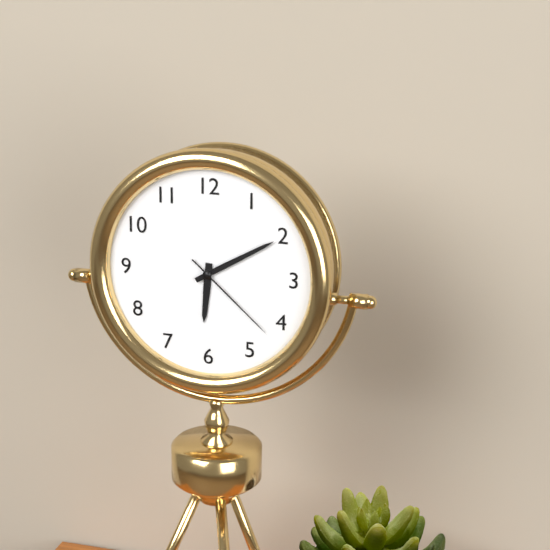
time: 6:10:22
